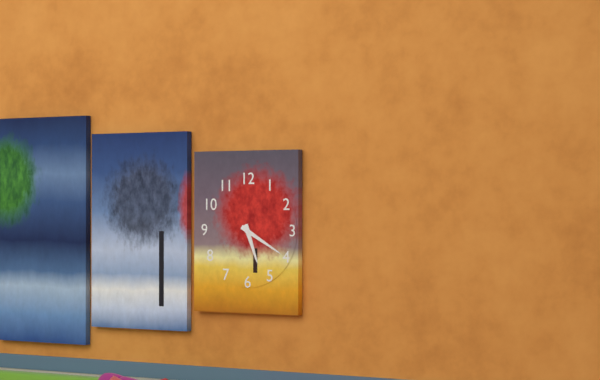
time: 5:20
